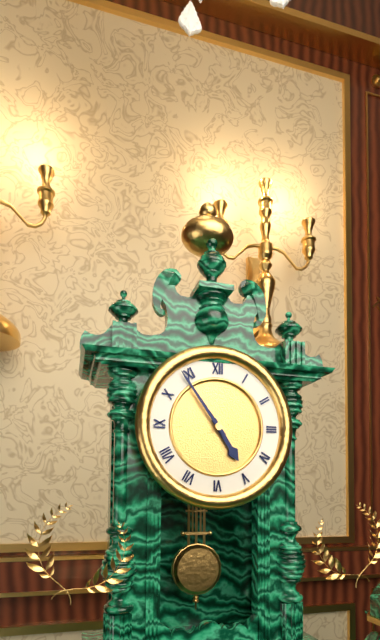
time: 4:54
